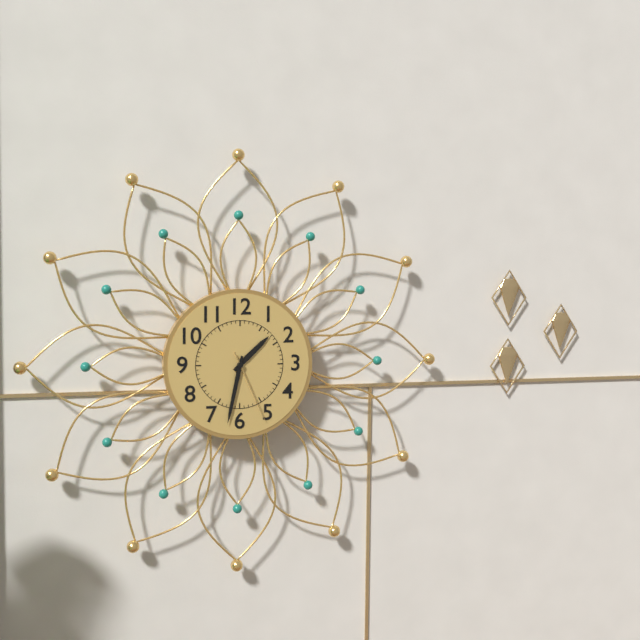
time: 1:32:26
